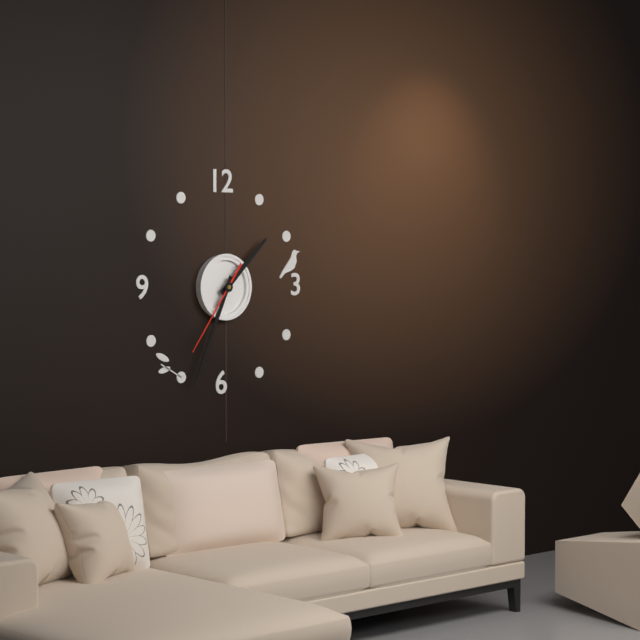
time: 1:34:36
